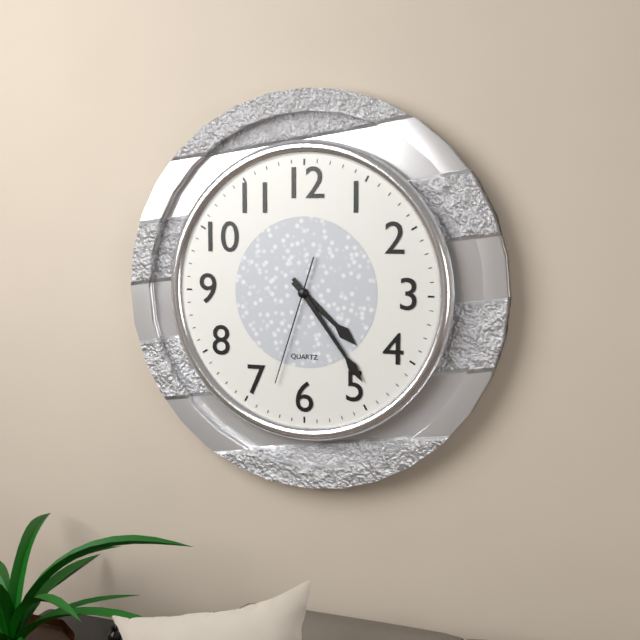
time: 4:24:33
